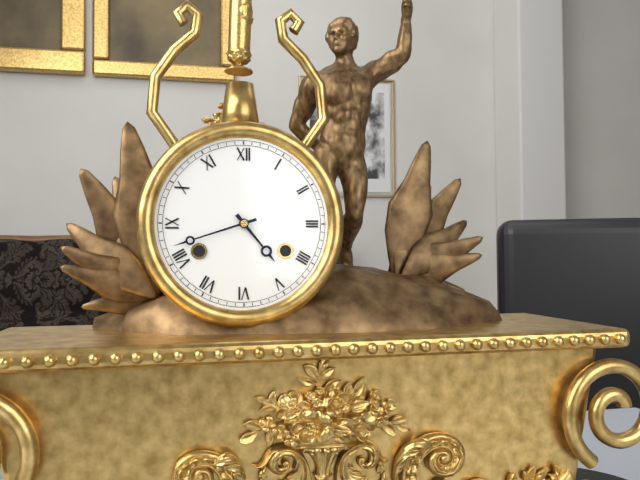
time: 4:42
